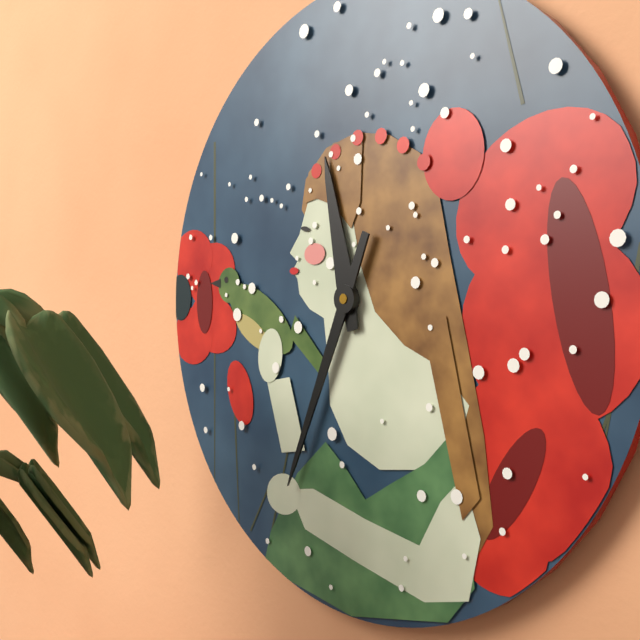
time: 11:34
